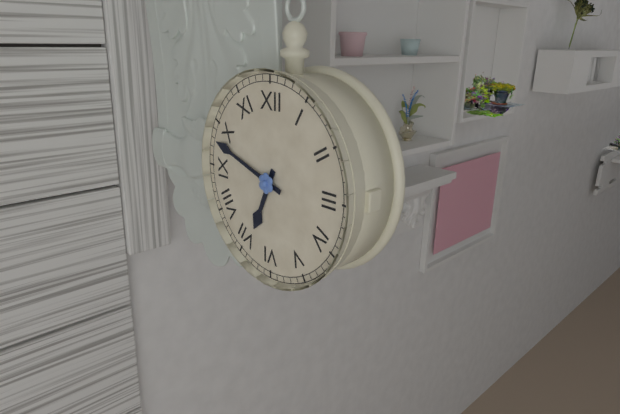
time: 6:48
